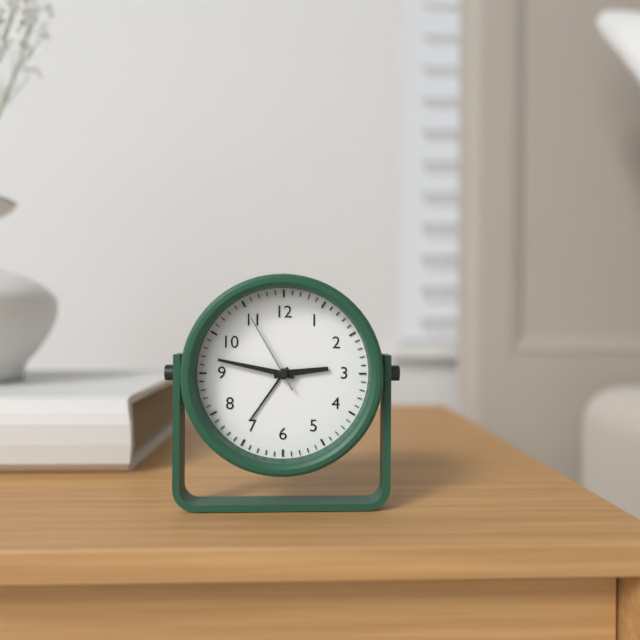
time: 2:47:55
